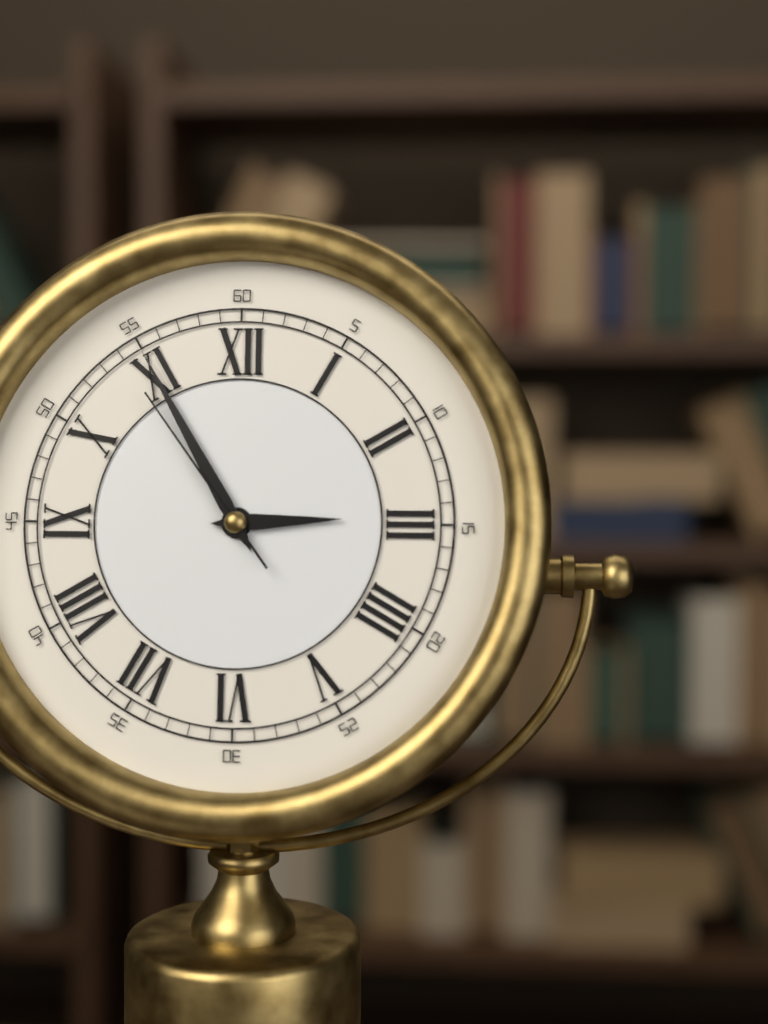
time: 2:55:54
